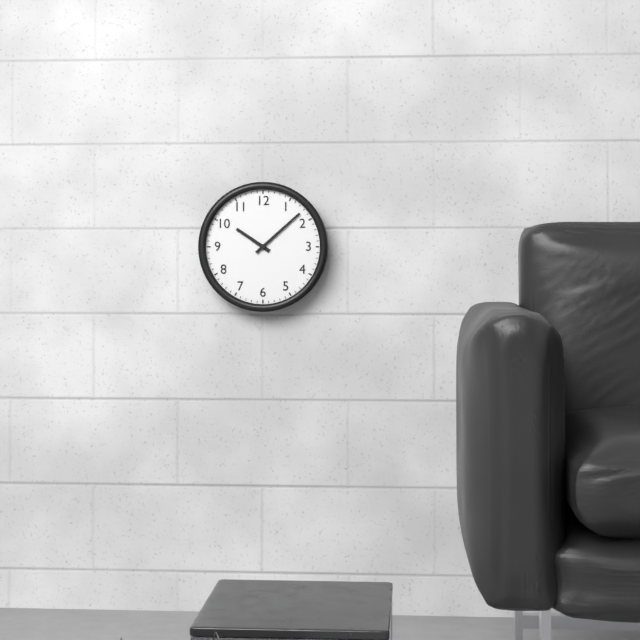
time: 10:08
